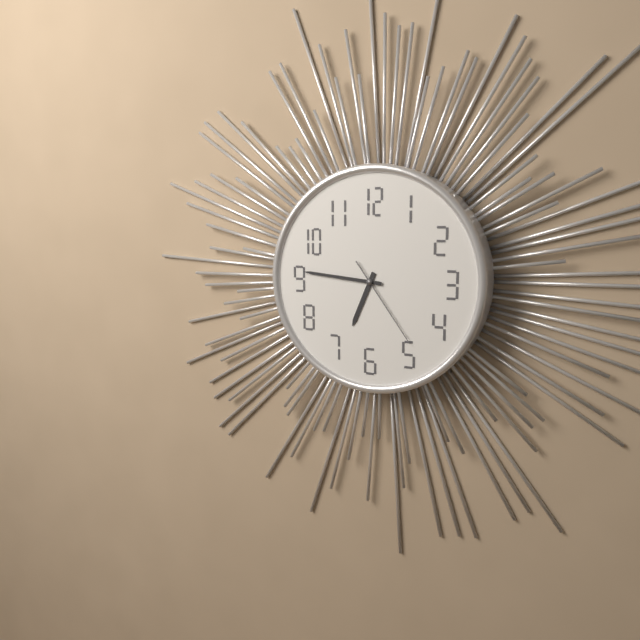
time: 6:46:24
